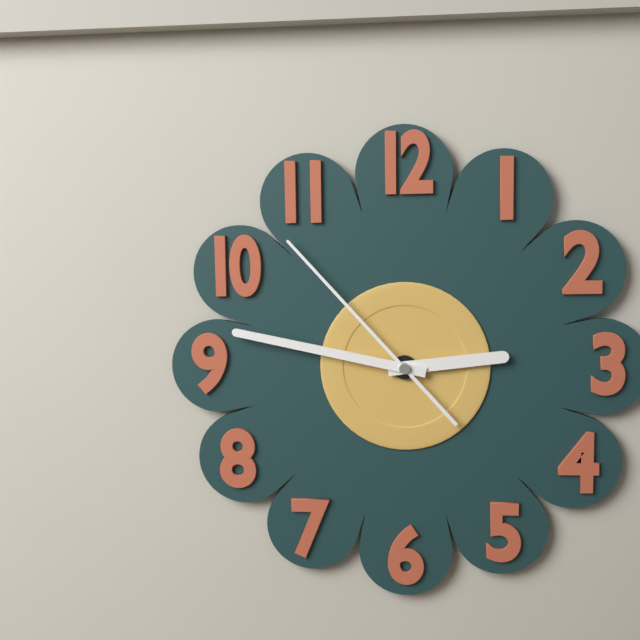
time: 2:47:53
